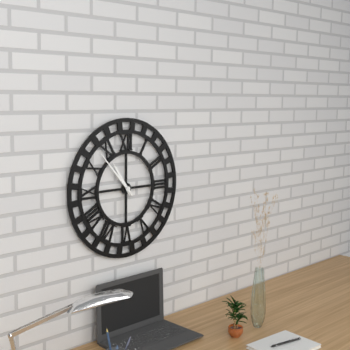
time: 10:53
